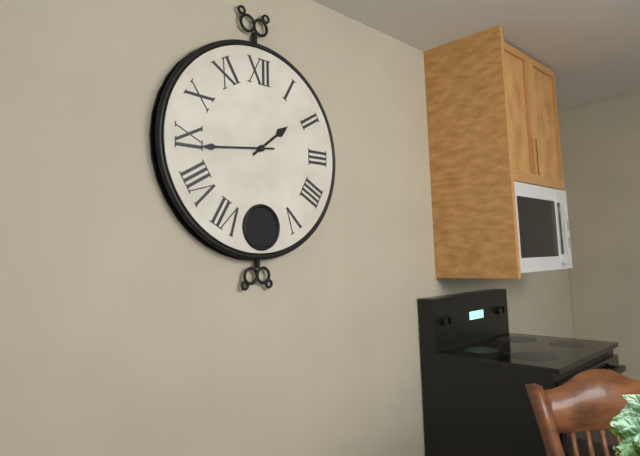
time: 1:44
